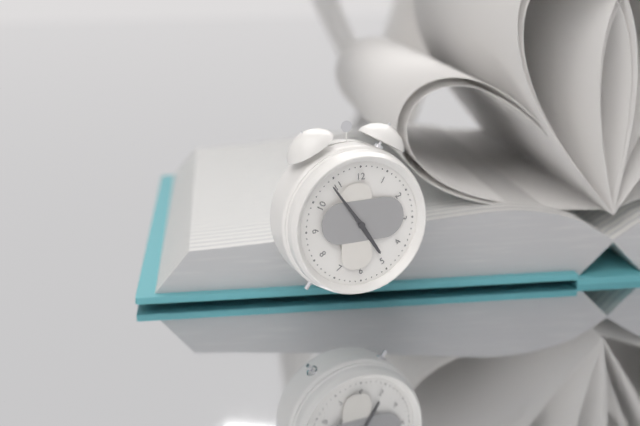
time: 4:54
